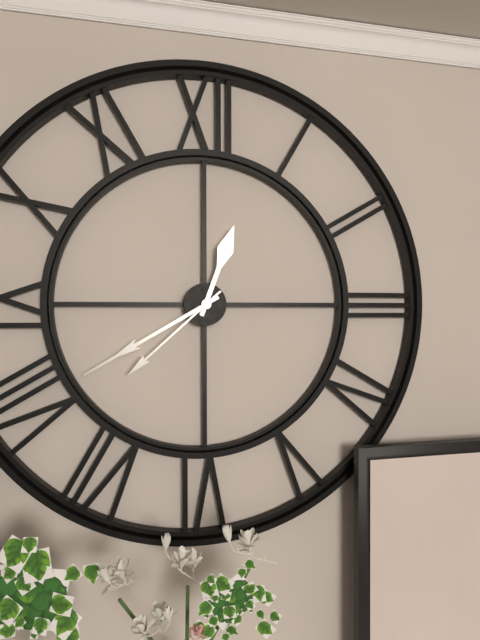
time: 12:40:38
